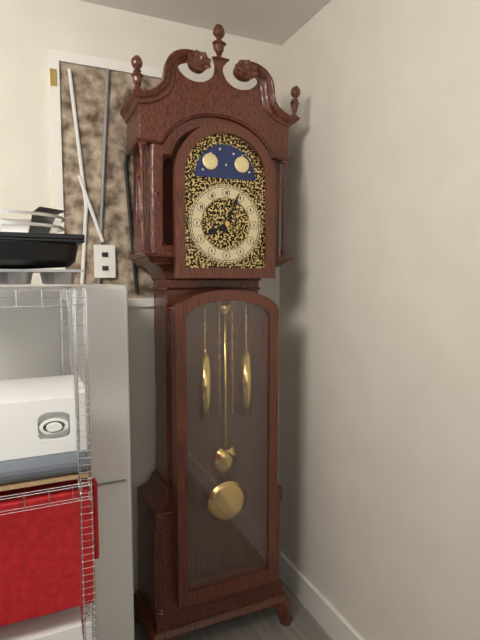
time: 8:04
